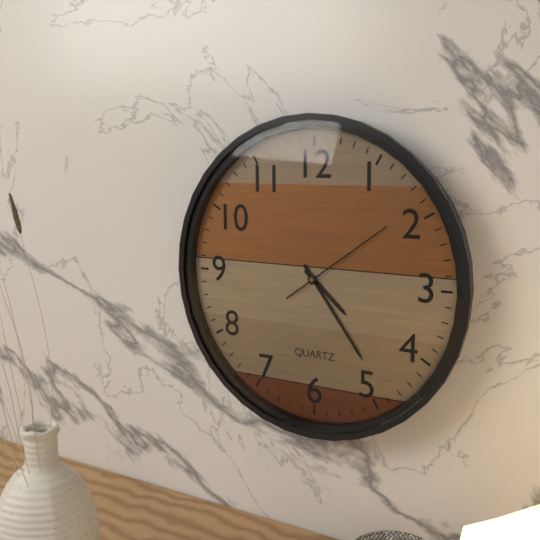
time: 4:24:09
